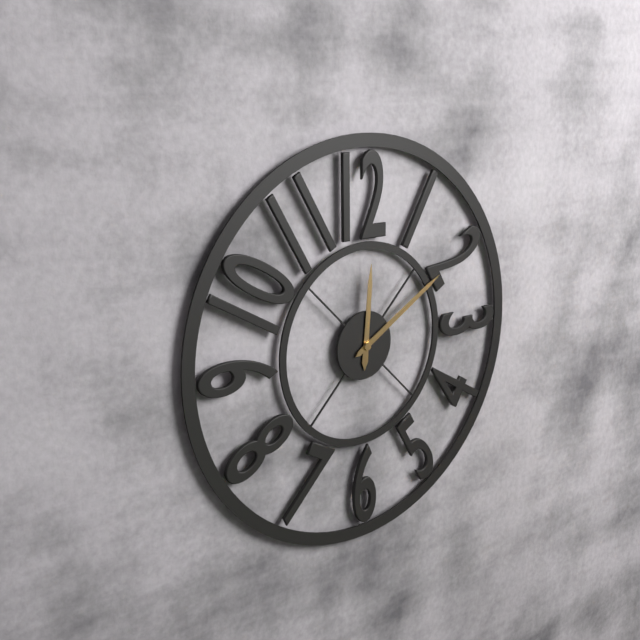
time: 12:10
